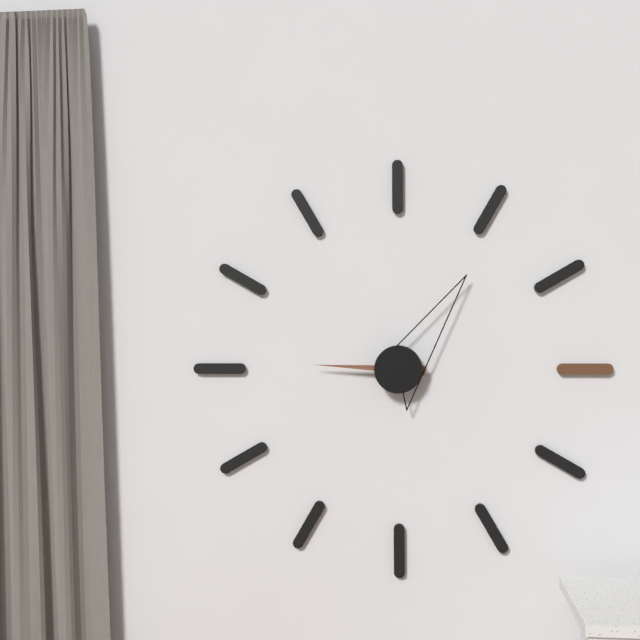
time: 9:06
